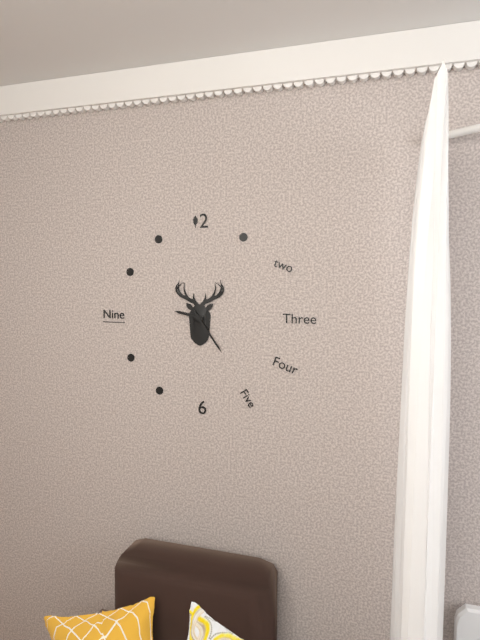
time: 9:24
